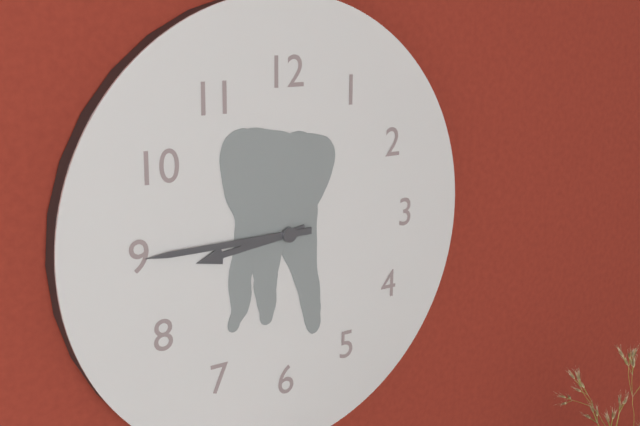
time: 8:45
